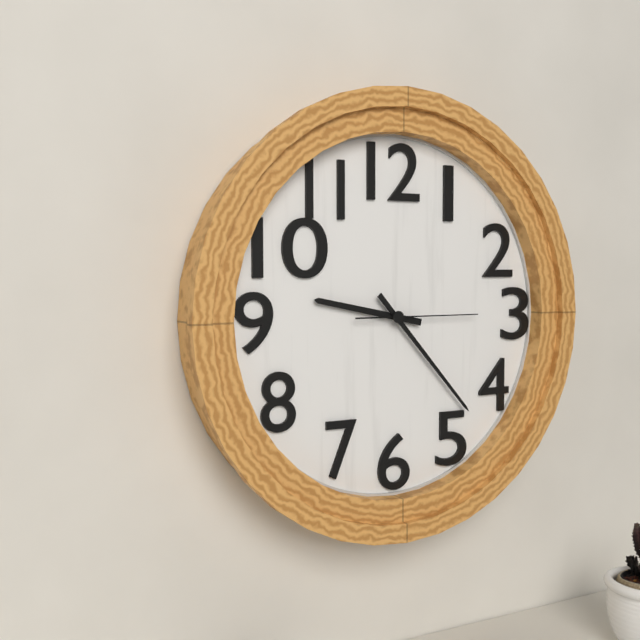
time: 9:23:15
